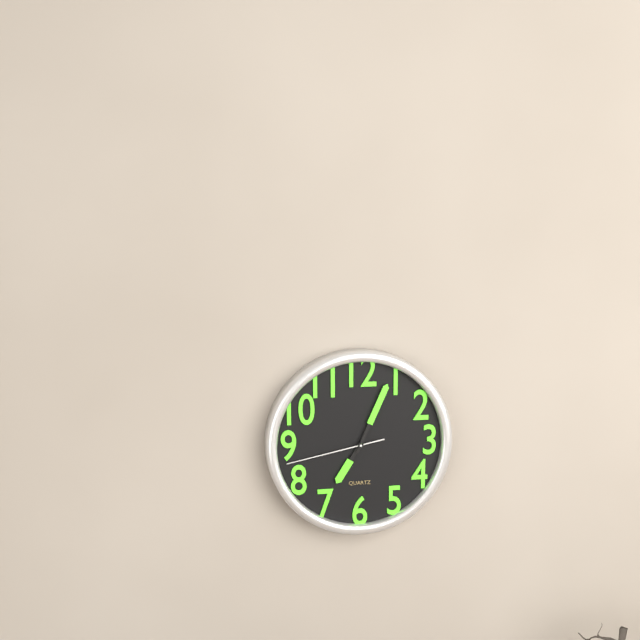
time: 7:04:43
